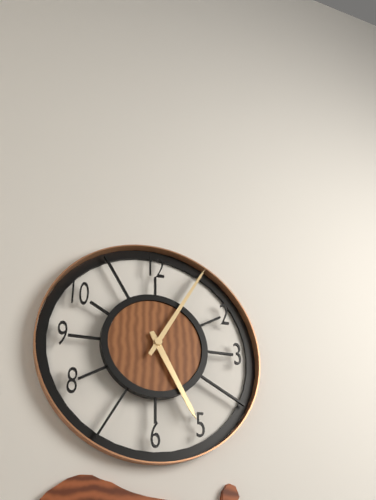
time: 5:05
